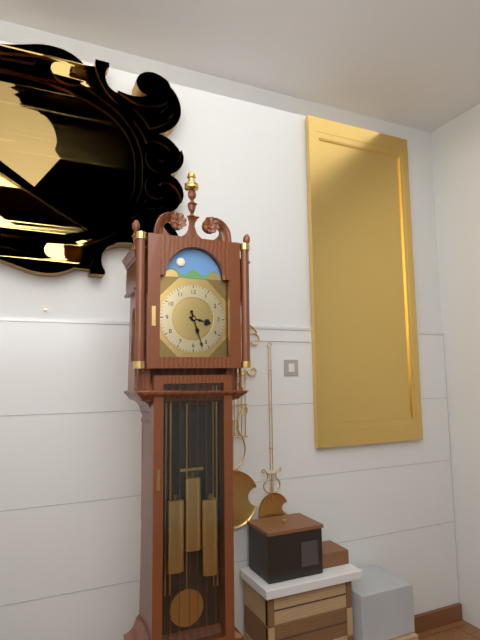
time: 3:27
